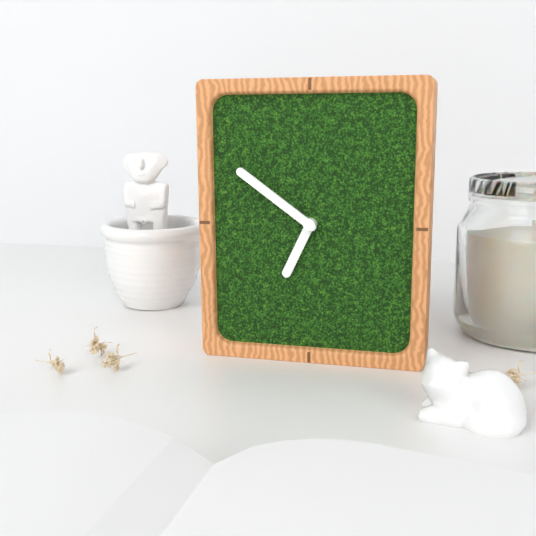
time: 6:51
